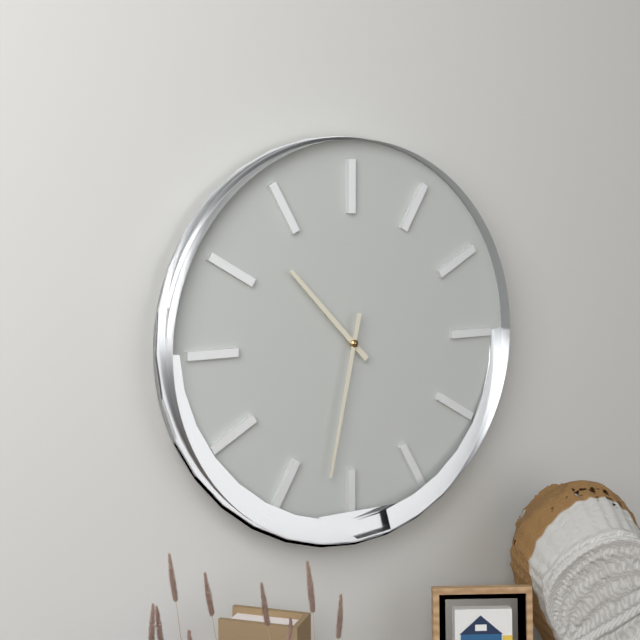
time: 10:32
